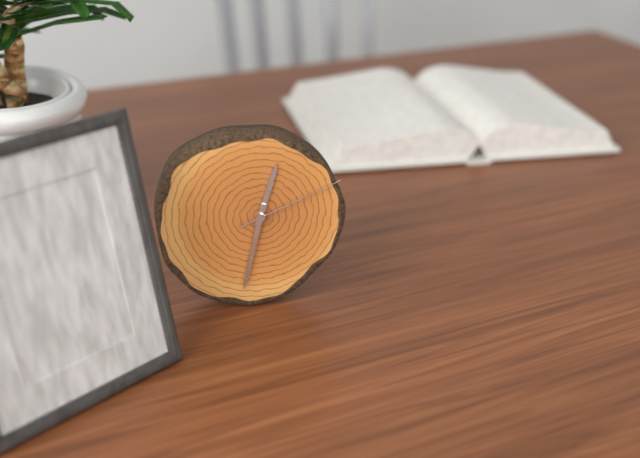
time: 12:32:11
